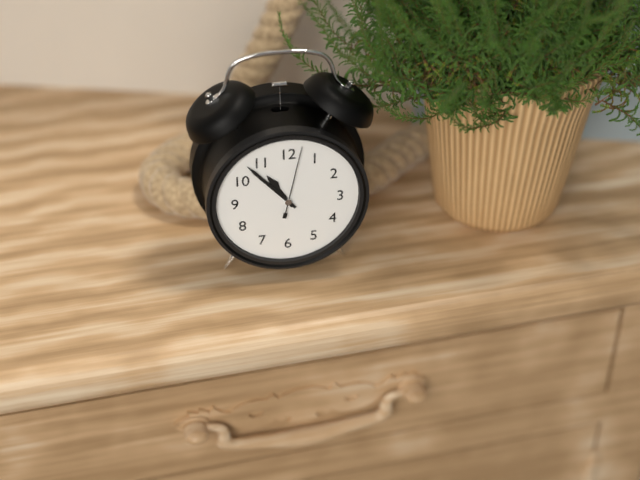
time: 10:53:02
